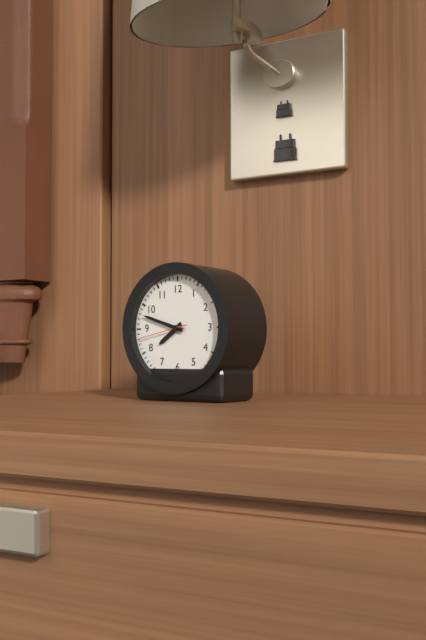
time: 7:48:43
